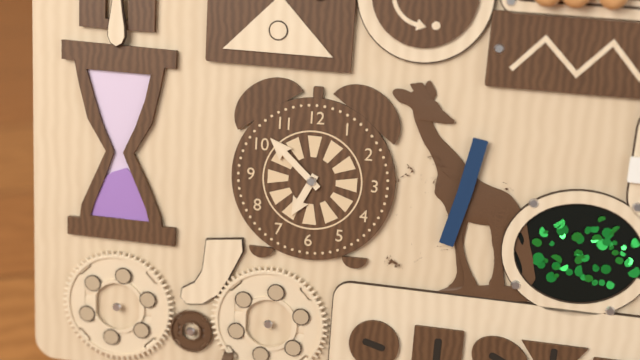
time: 6:52
